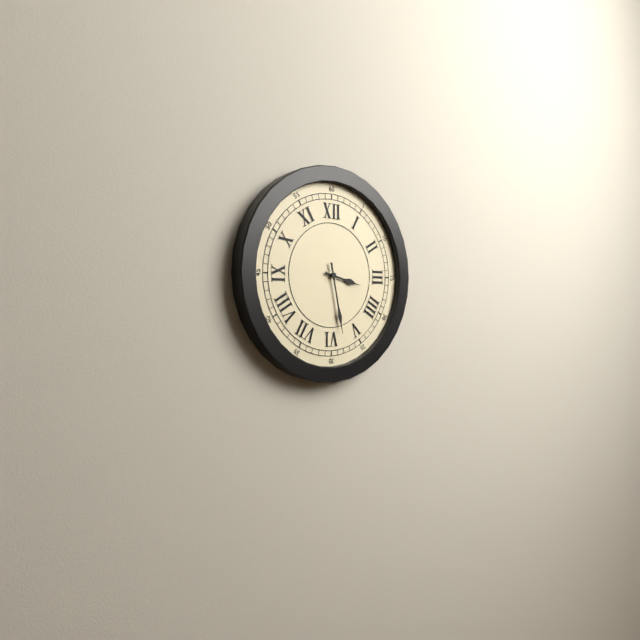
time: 3:28
